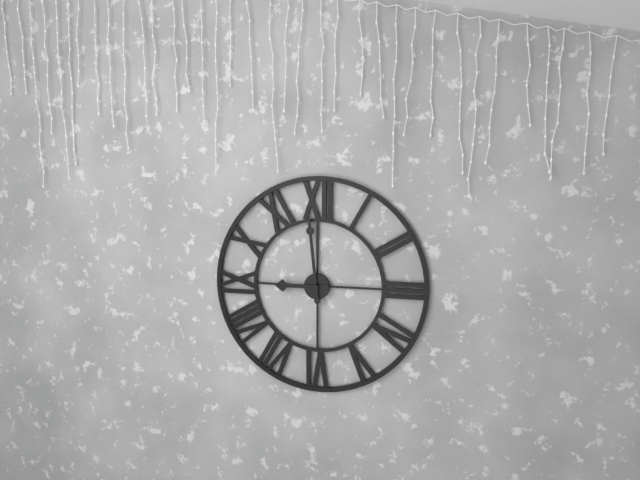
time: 8:59
